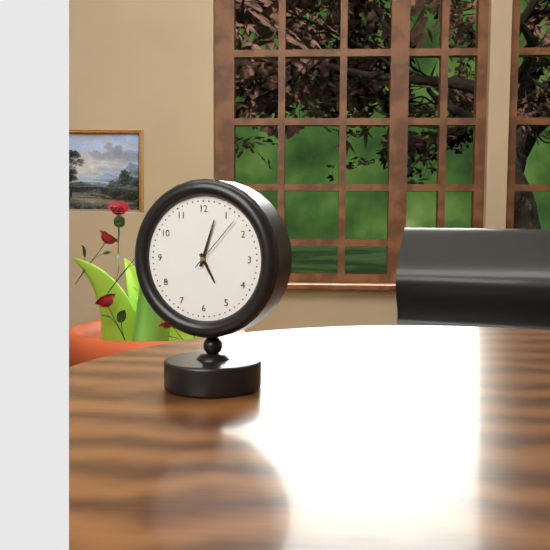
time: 5:03:07
